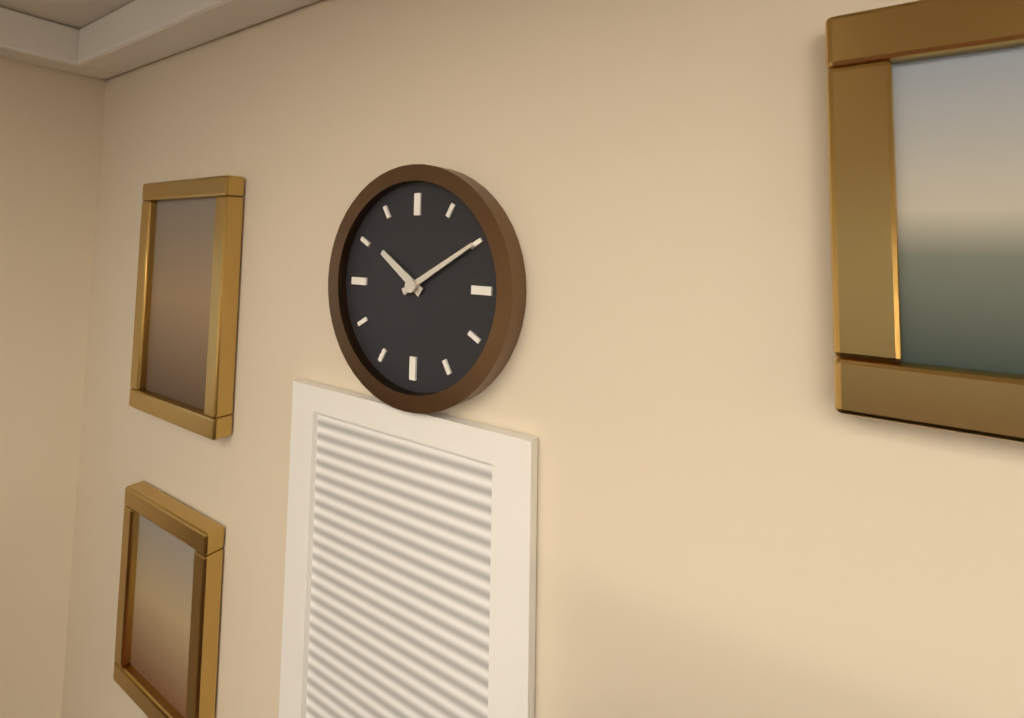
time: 10:10
